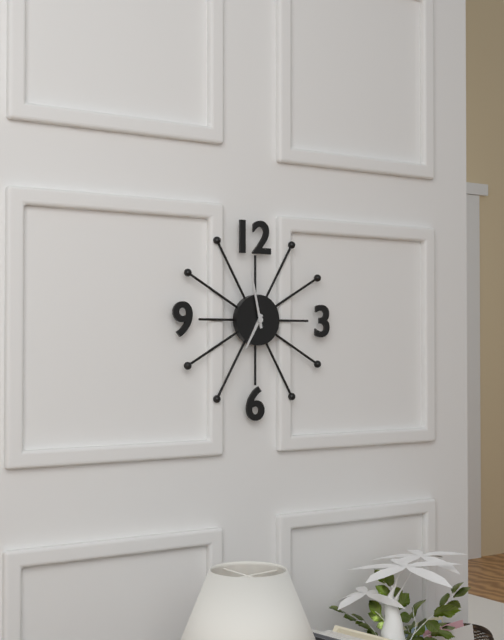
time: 6:58
